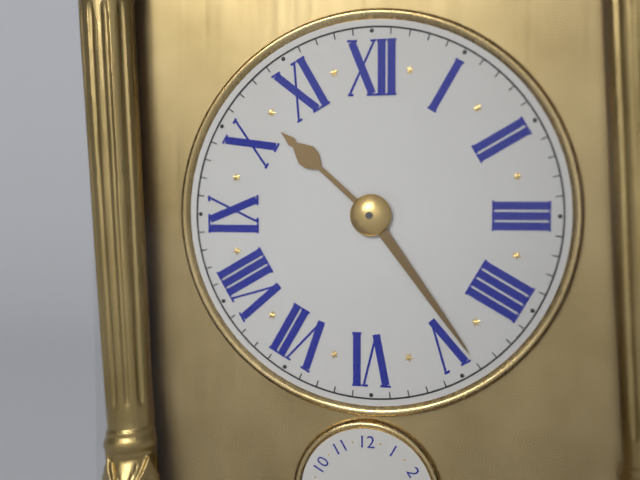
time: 10:24
